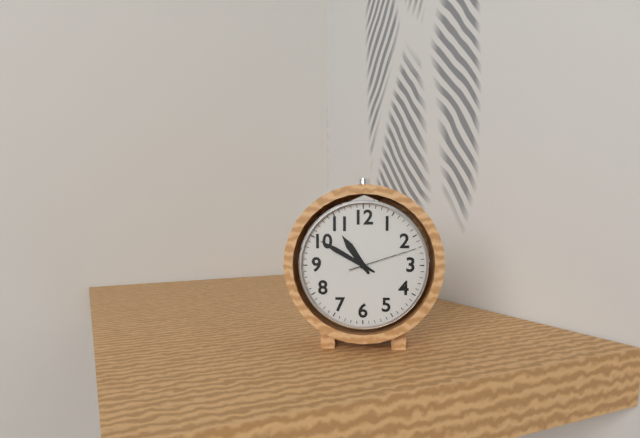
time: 10:50:12
